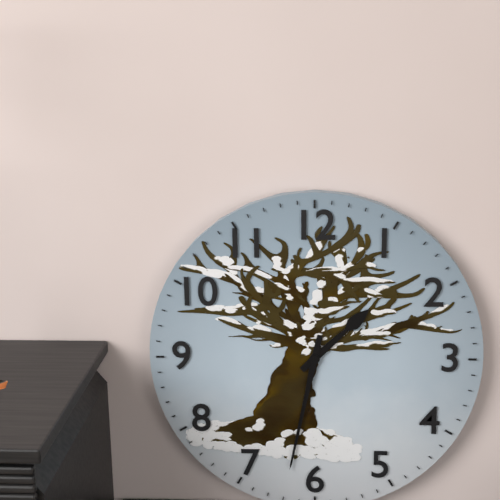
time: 1:32
